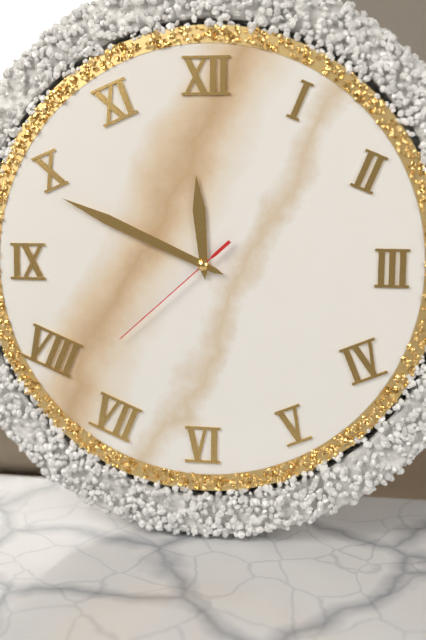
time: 11:49:38
